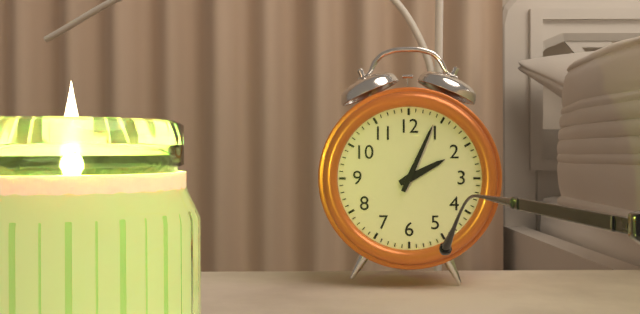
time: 2:04
